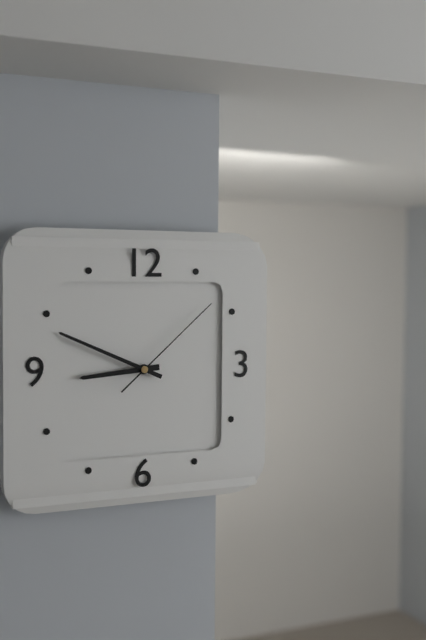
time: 8:49:08
